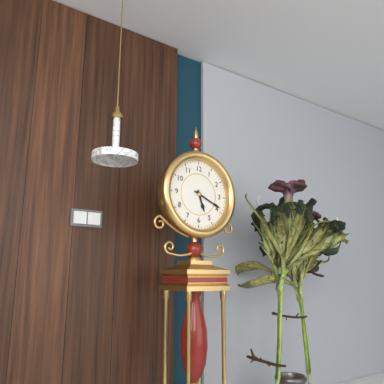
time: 5:19
